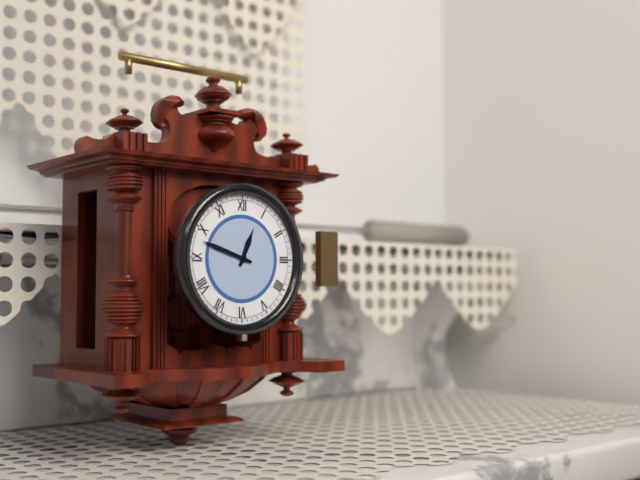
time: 12:48
